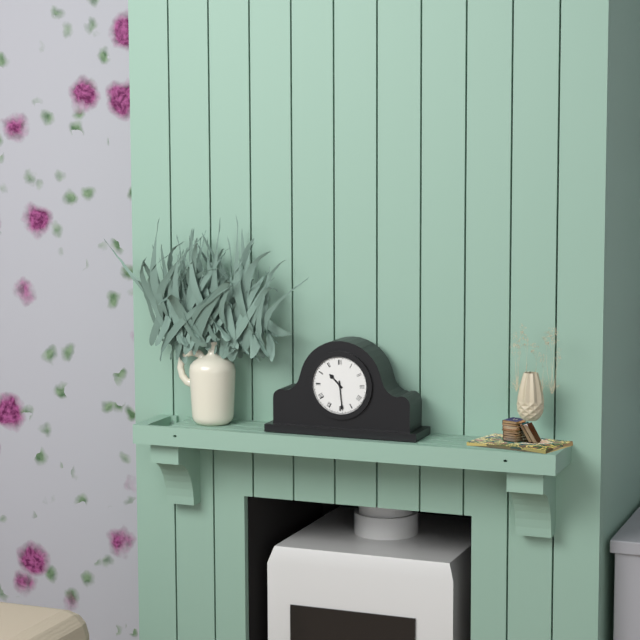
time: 10:29
